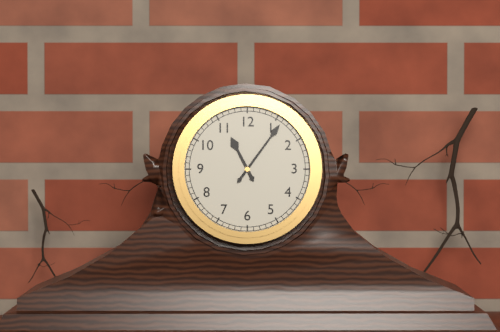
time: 11:06
